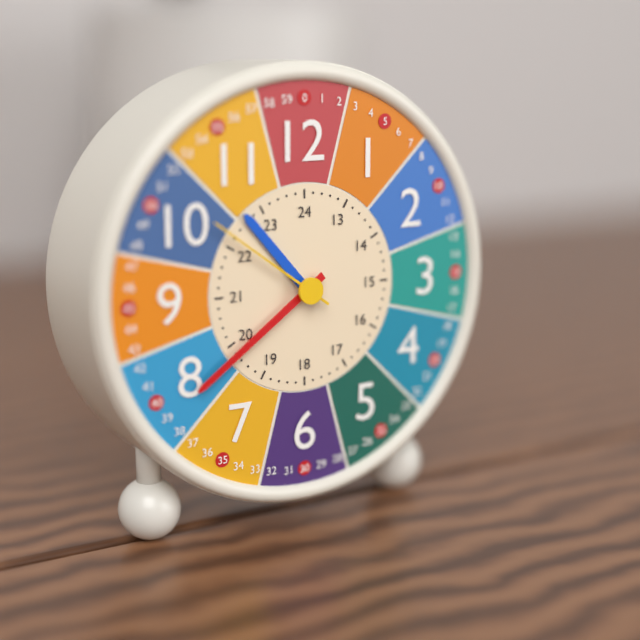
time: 10:39:51
